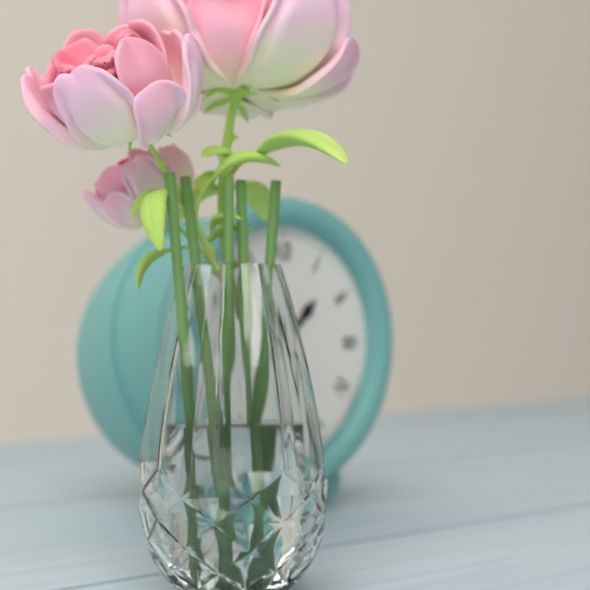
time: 1:30
